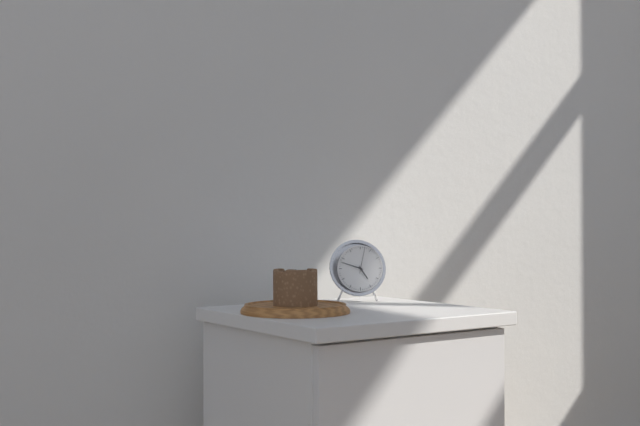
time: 4:48
